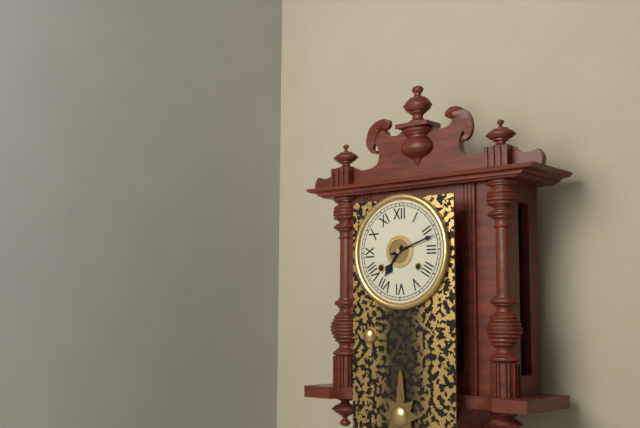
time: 7:12
